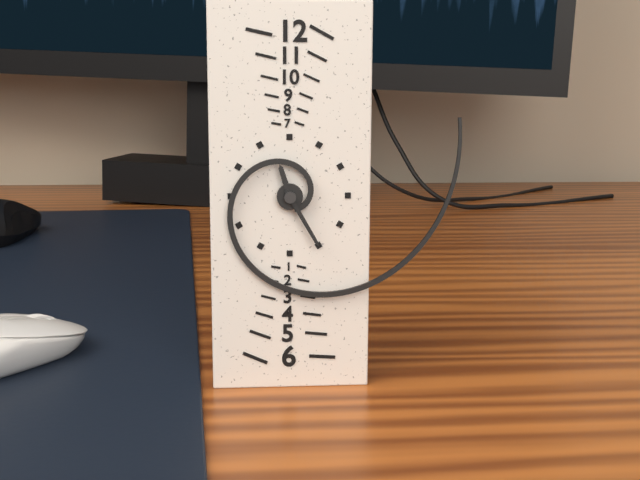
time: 11:25
